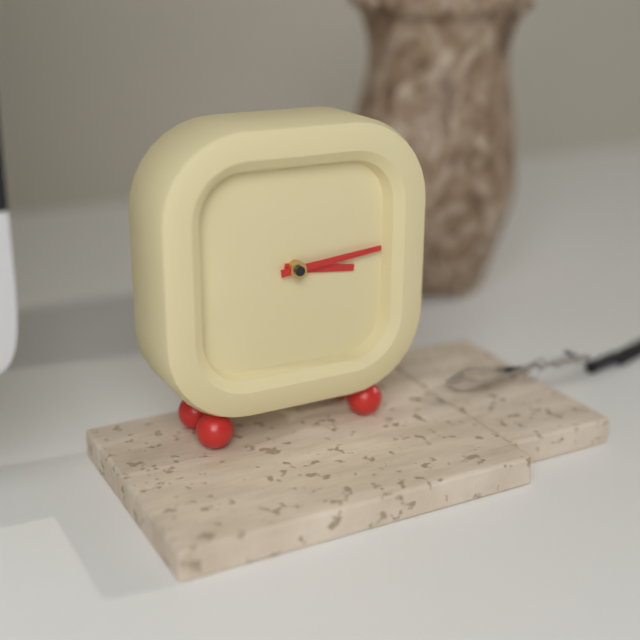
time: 3:14
